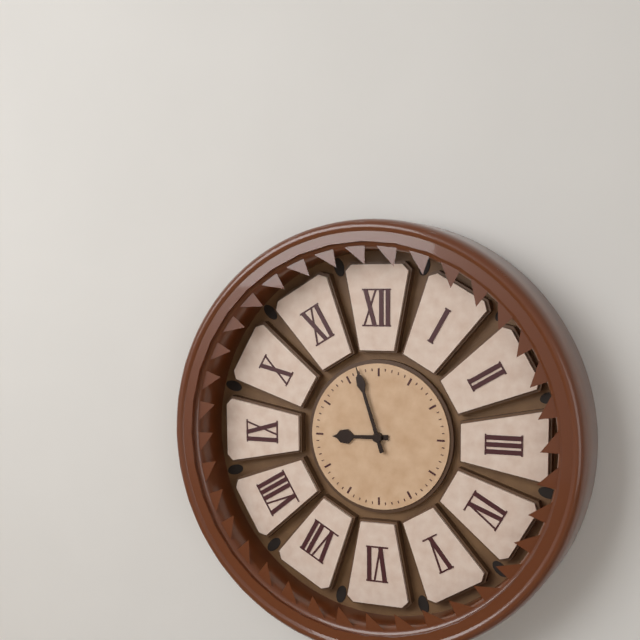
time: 8:57
